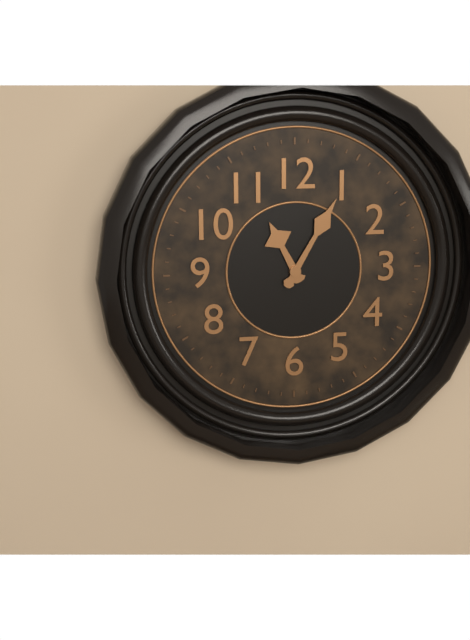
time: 11:05
